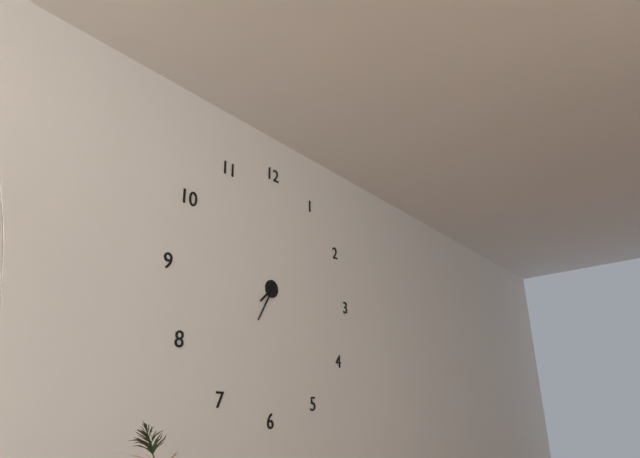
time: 7:35
